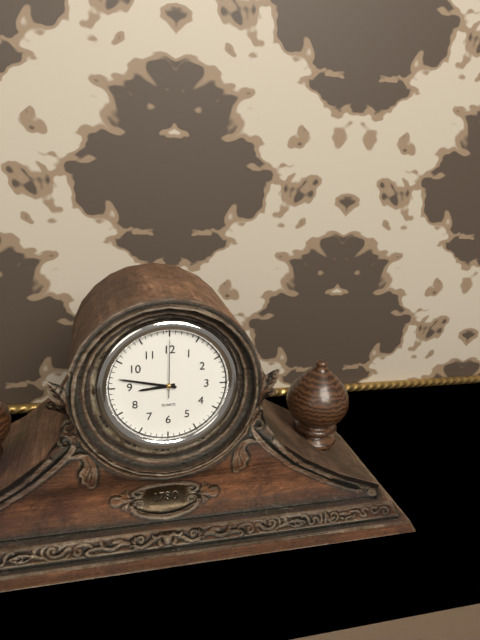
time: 8:47:00
